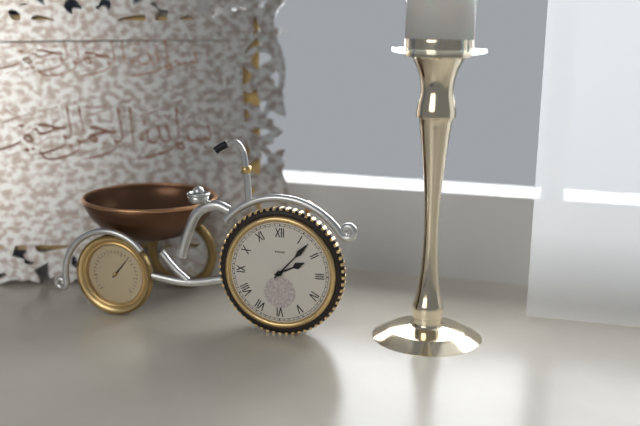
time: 2:07
